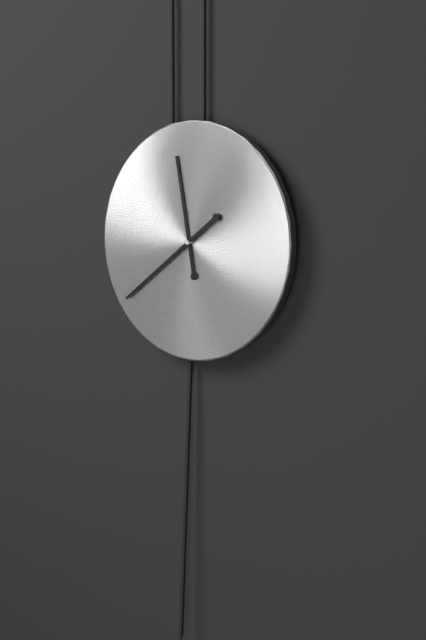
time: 11:39
